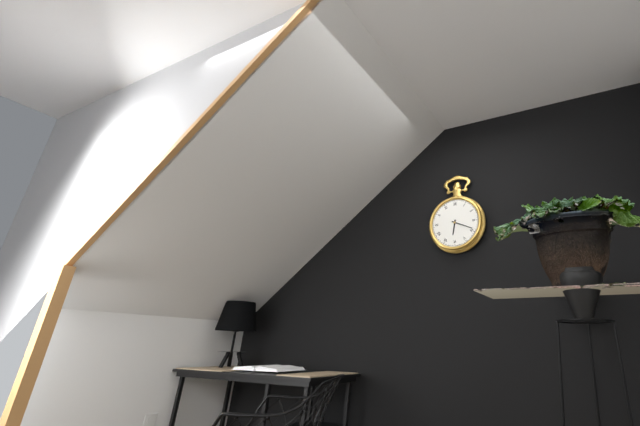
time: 6:19
